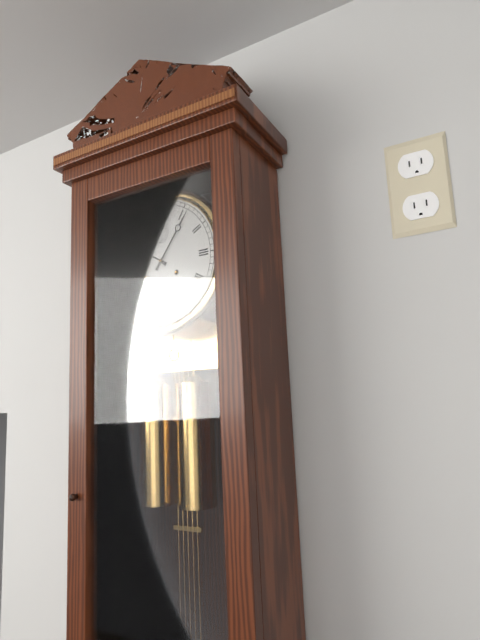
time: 10:06
